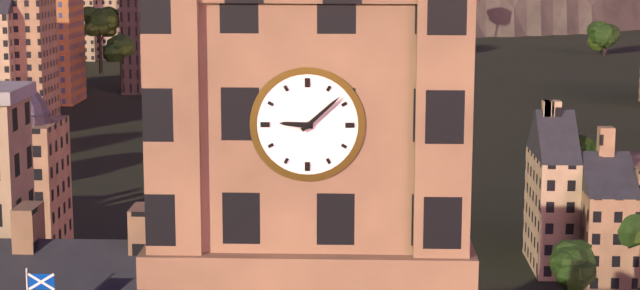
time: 9:08
